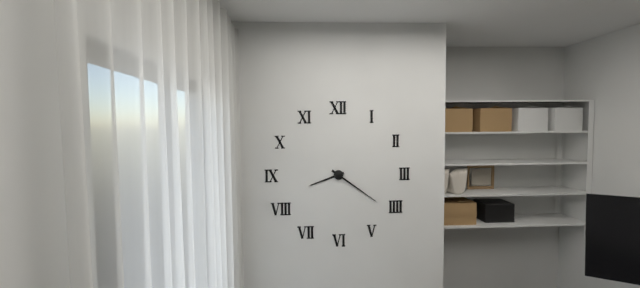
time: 8:21
